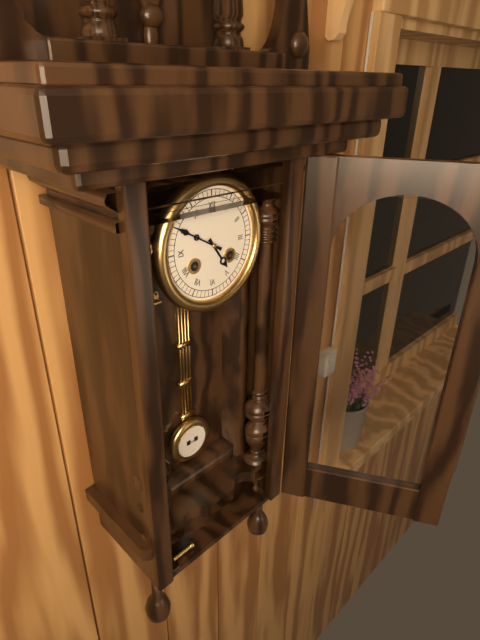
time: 4:50
